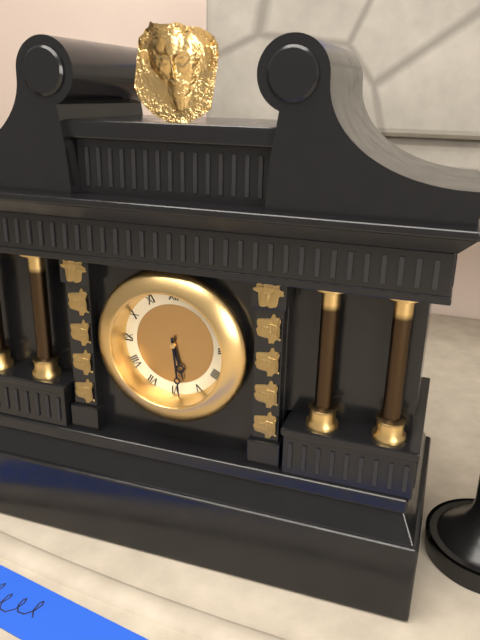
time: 5:29
